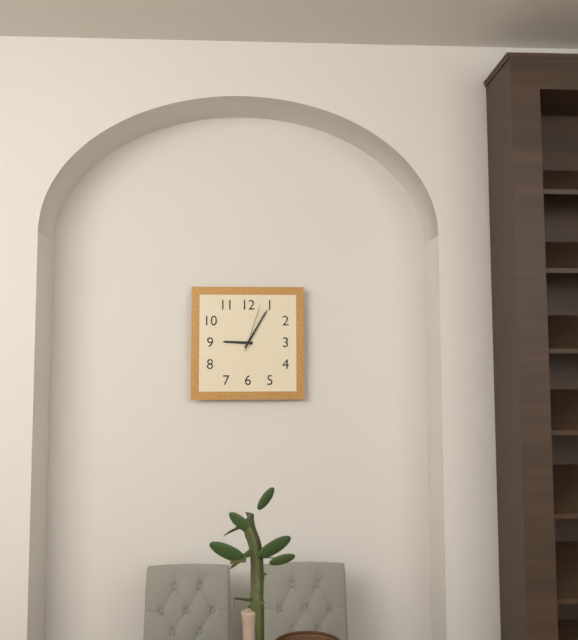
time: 9:05:03
